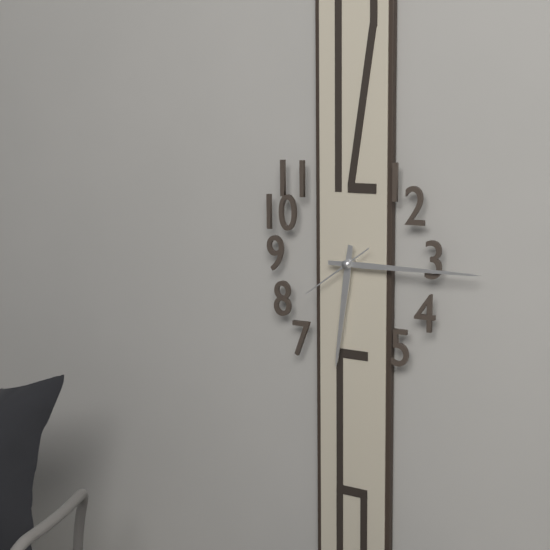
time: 6:15:39
